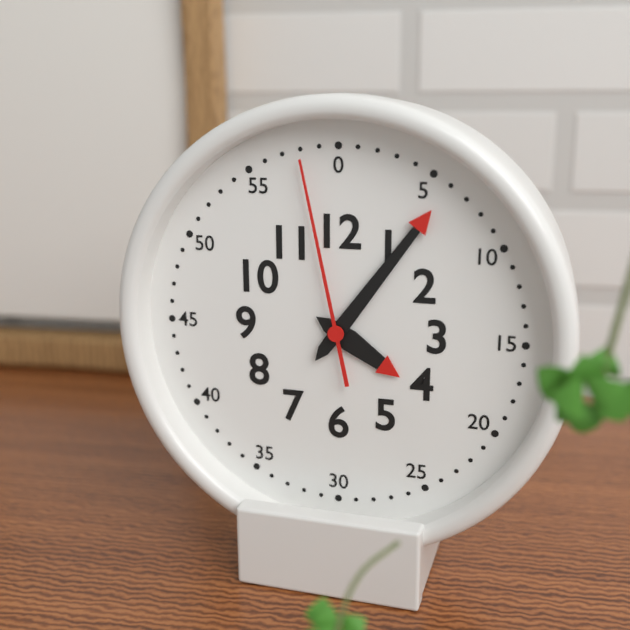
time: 4:06:58
